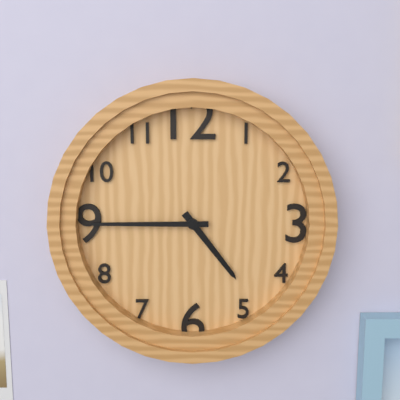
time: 4:45
